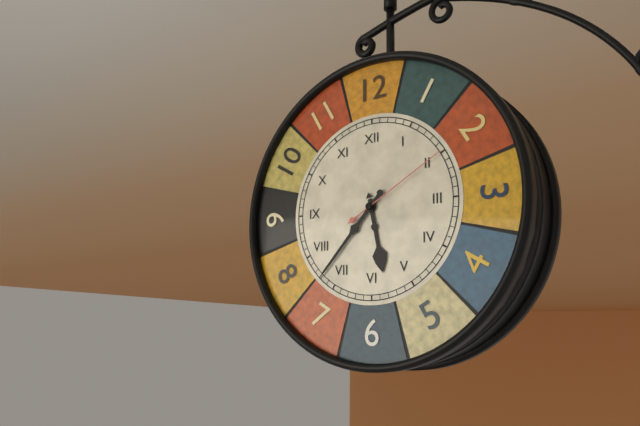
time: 5:37:10
